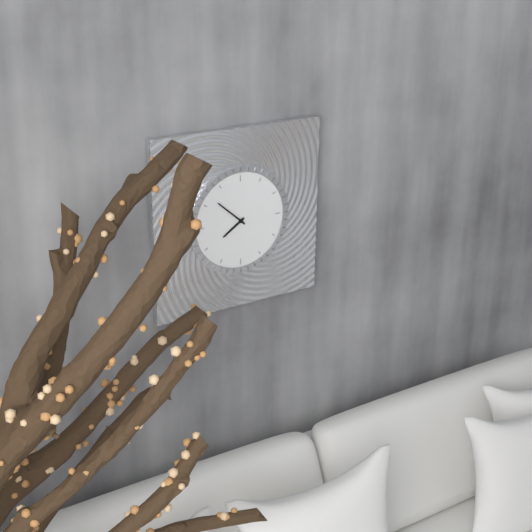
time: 7:52
